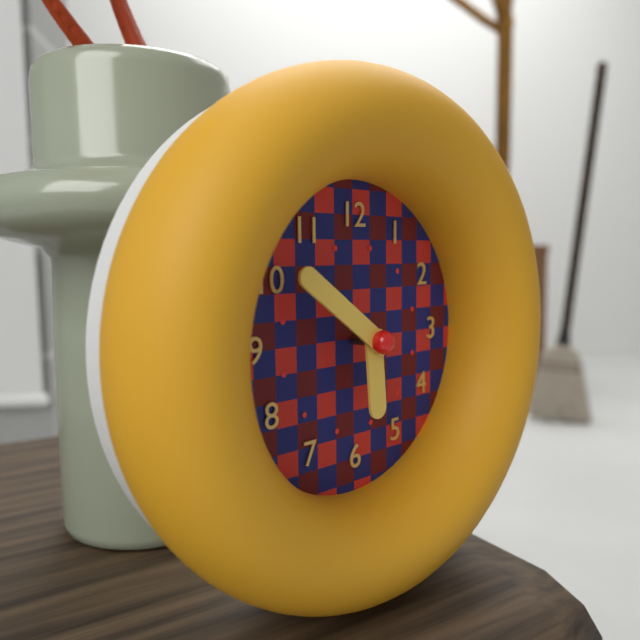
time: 5:51
